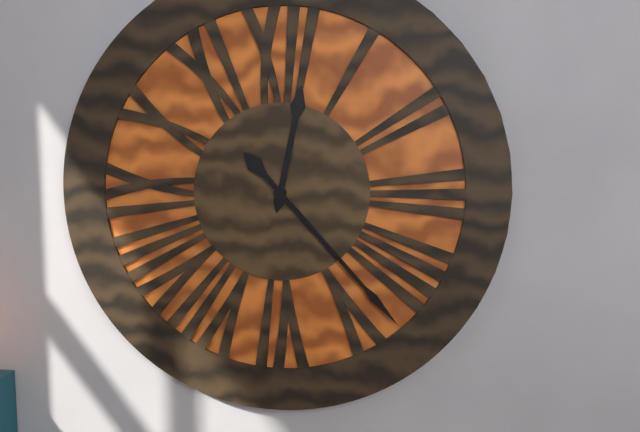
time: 12:23
